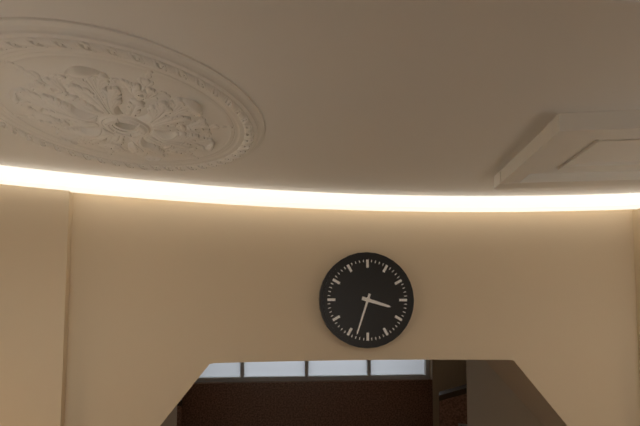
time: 3:33
